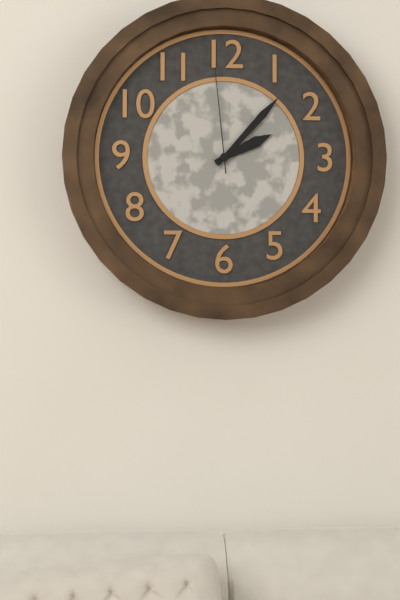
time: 2:07:59
